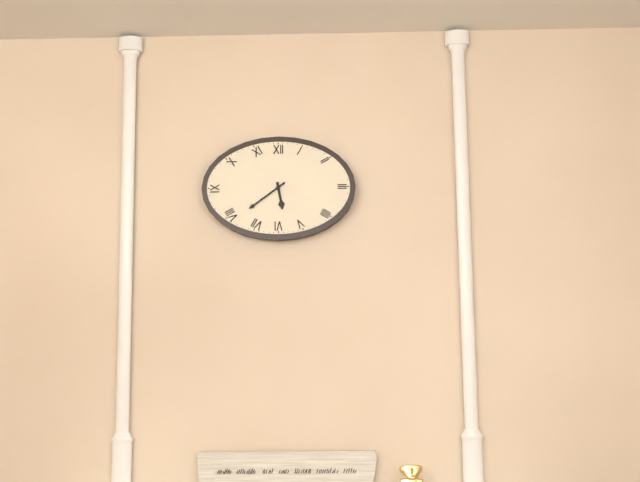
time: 5:39
